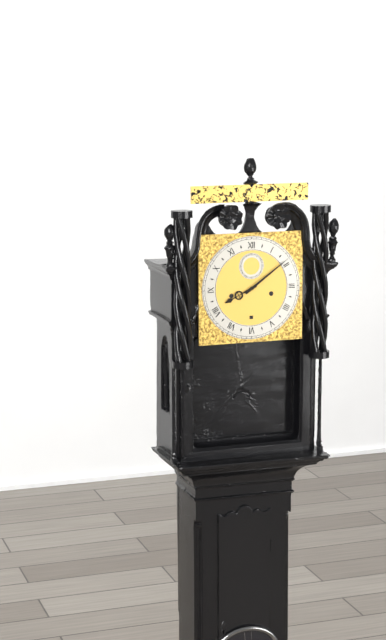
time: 8:09
